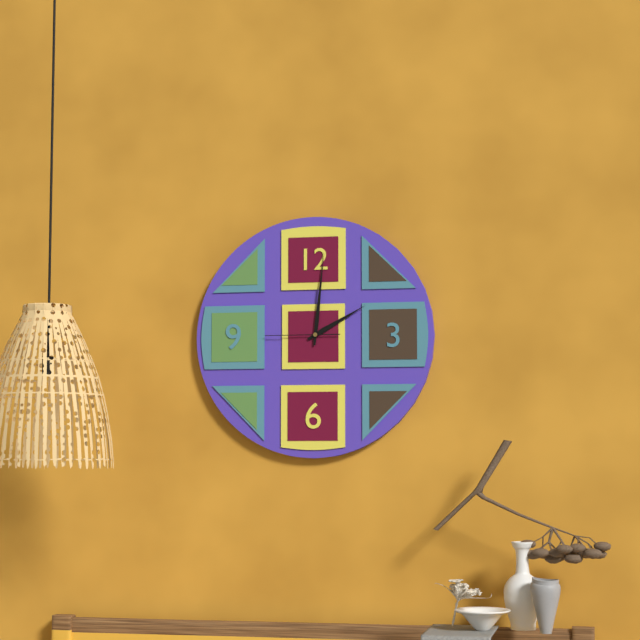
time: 2:01:45
